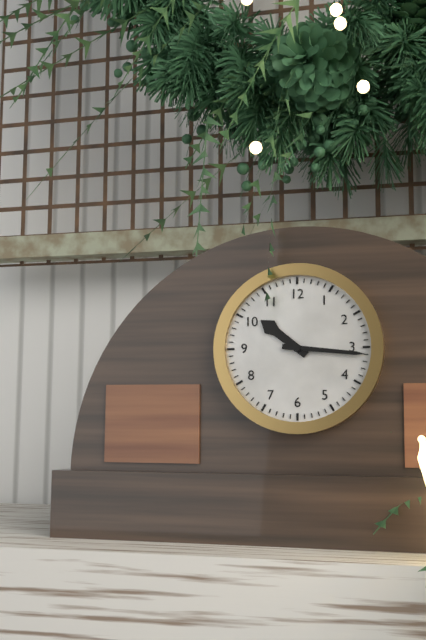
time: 10:16
